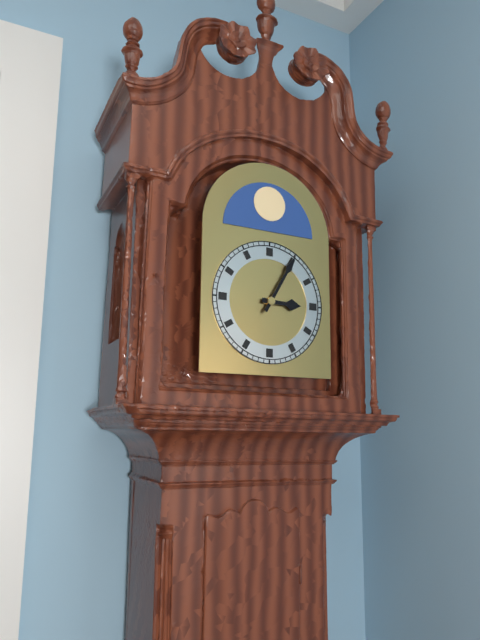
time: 3:05
